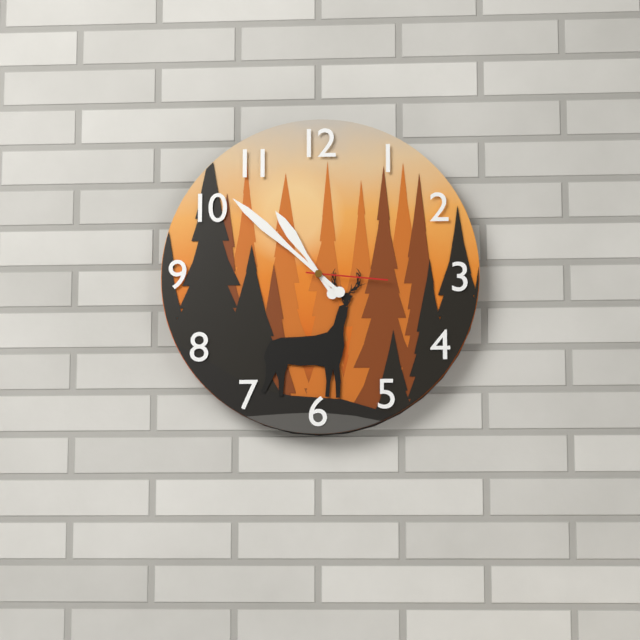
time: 10:52:16
